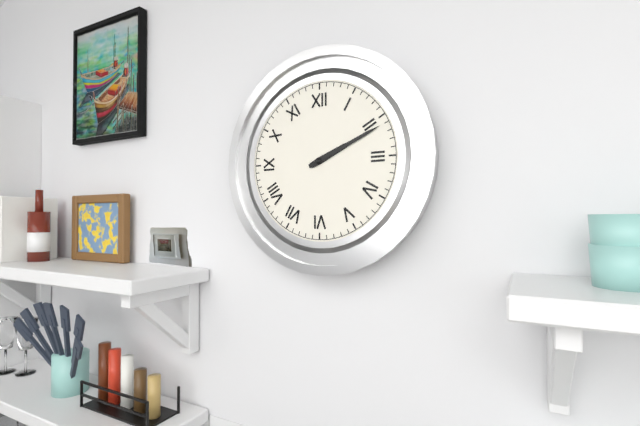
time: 2:11
